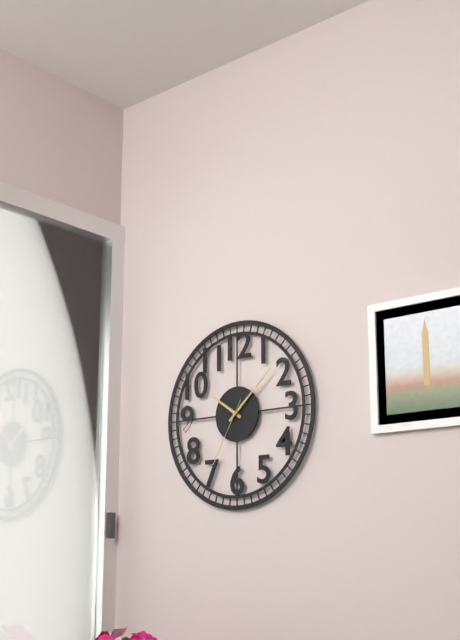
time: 10:08:35
